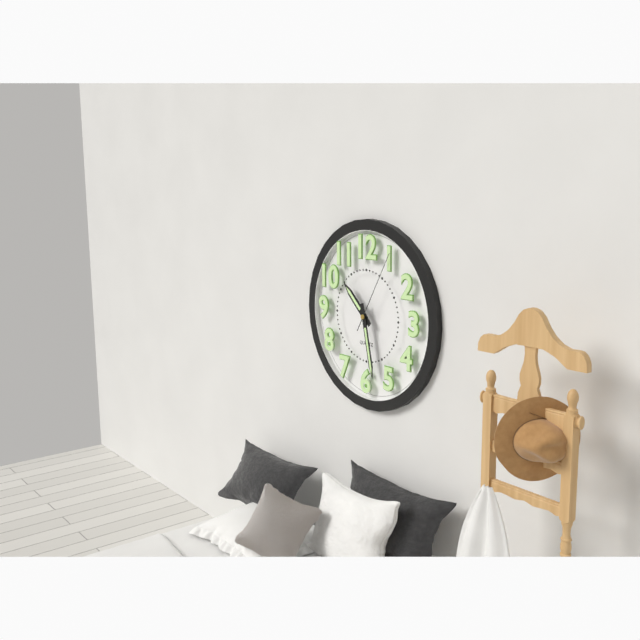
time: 10:28:05
